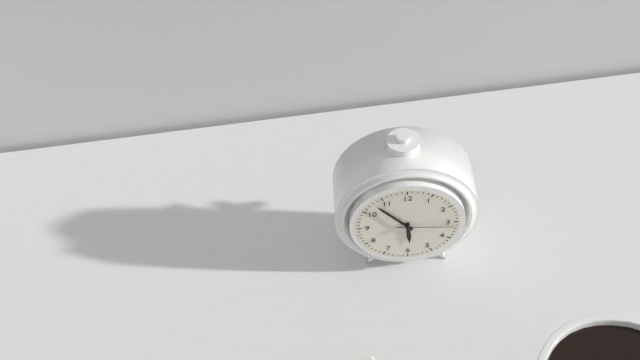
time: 5:53:16
